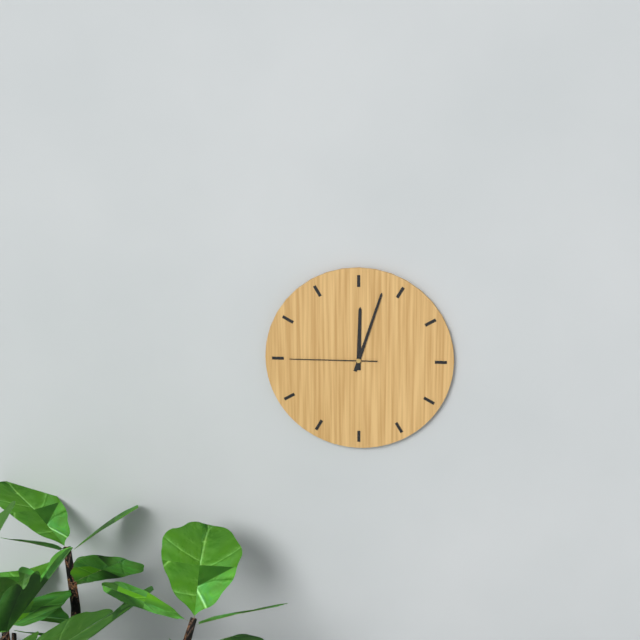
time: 12:03:45
